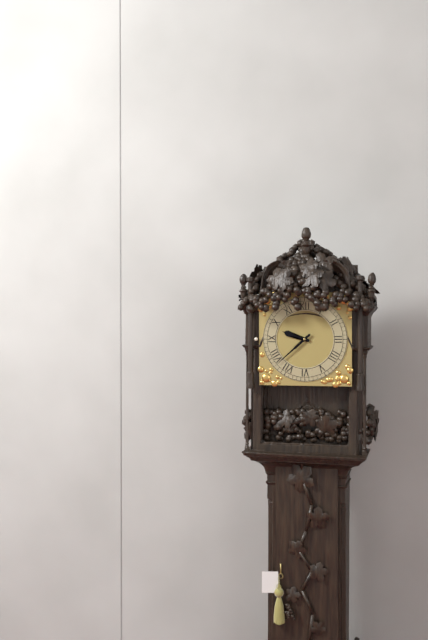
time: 9:38
